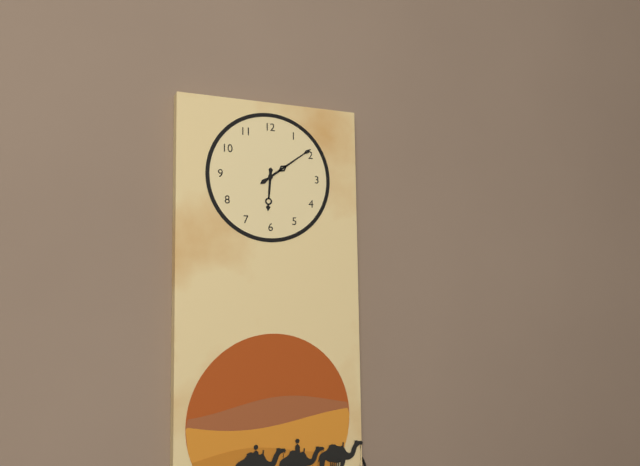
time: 6:09
